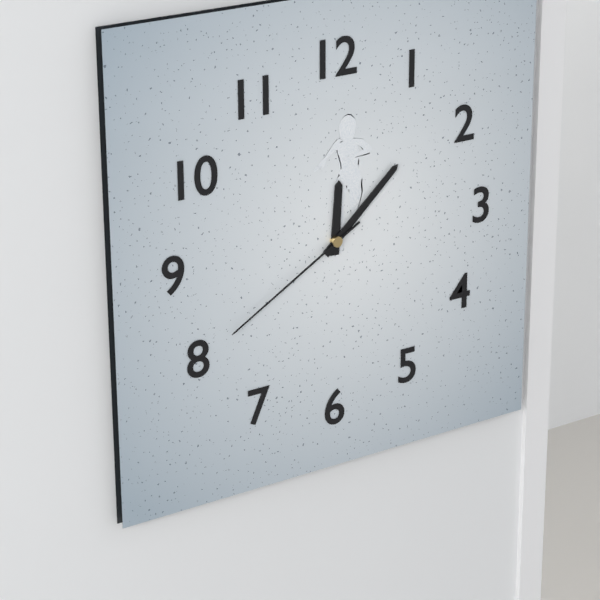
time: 12:08:40
